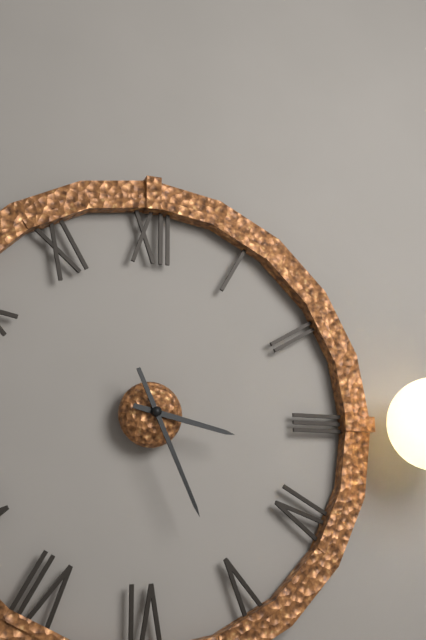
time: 3:26
